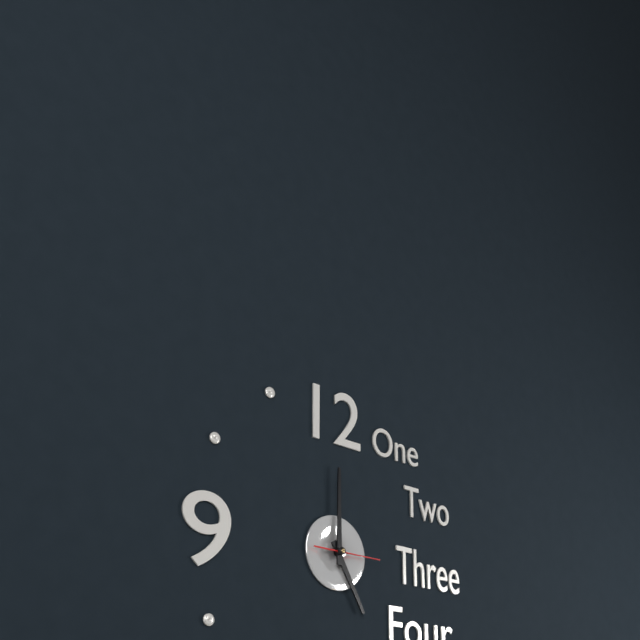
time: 5:00:15
